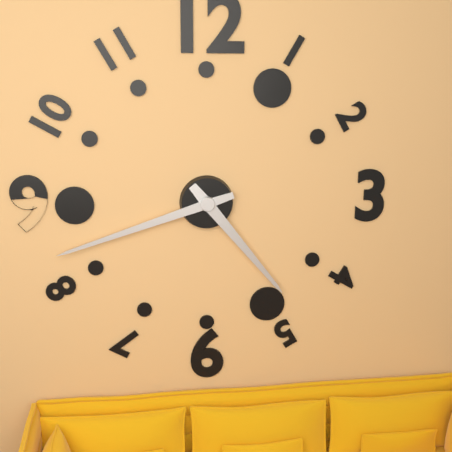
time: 4:42
